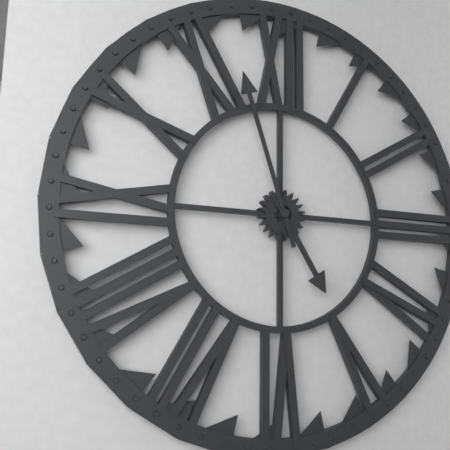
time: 4:57
